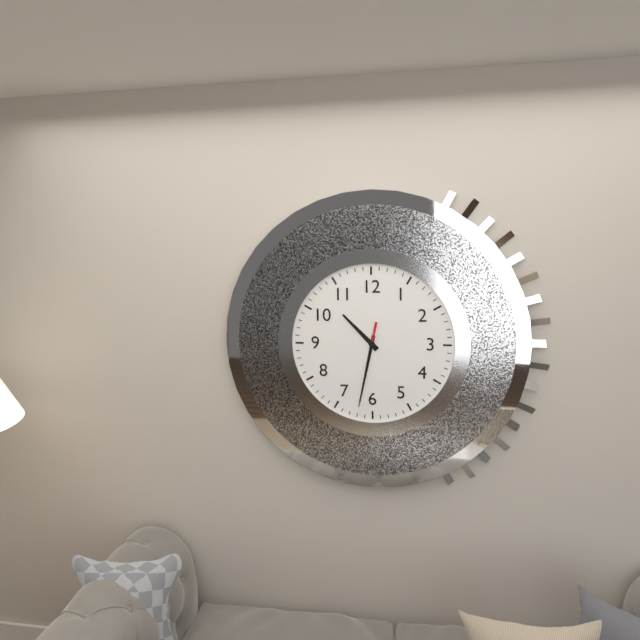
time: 10:32:32
